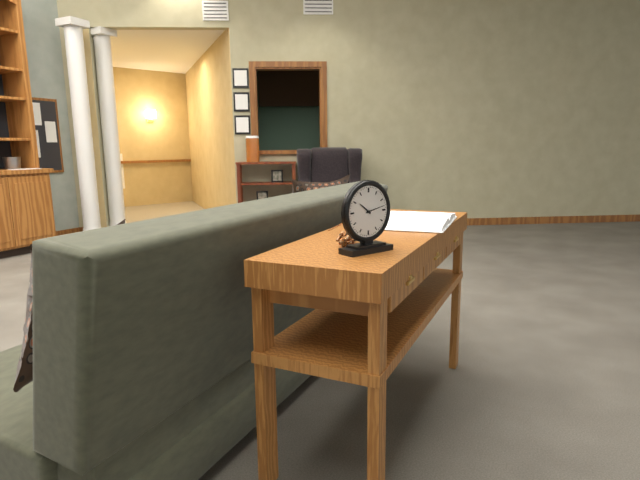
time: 10:13
